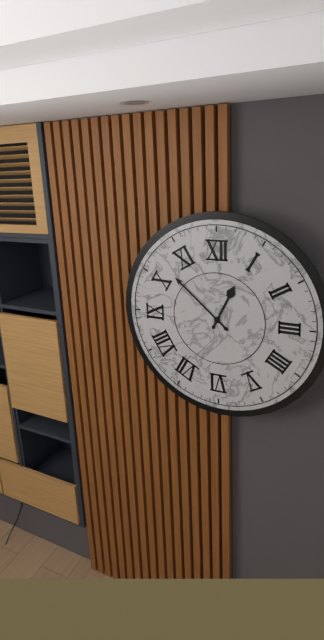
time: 12:52
